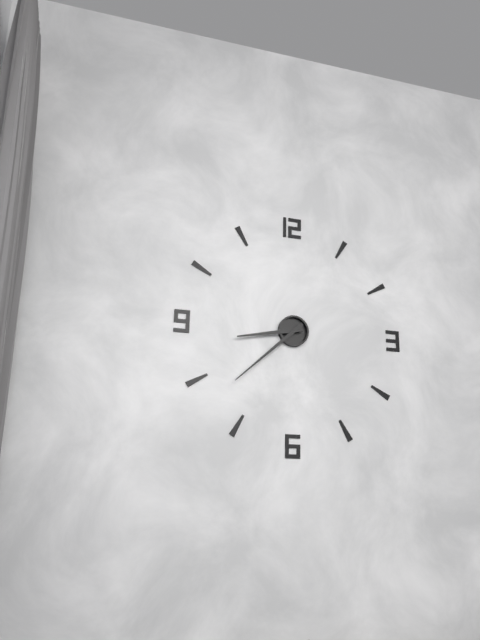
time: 8:38
